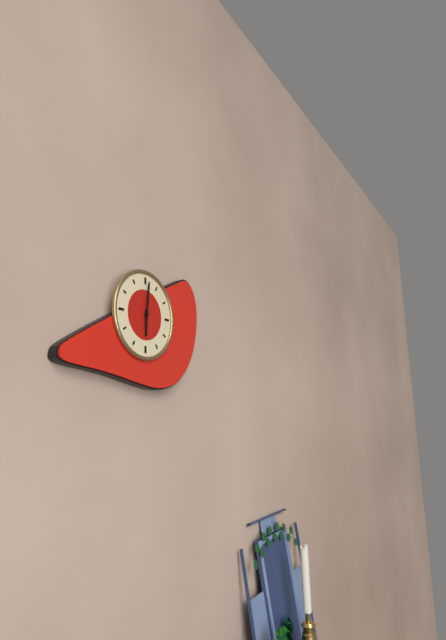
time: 6:01
